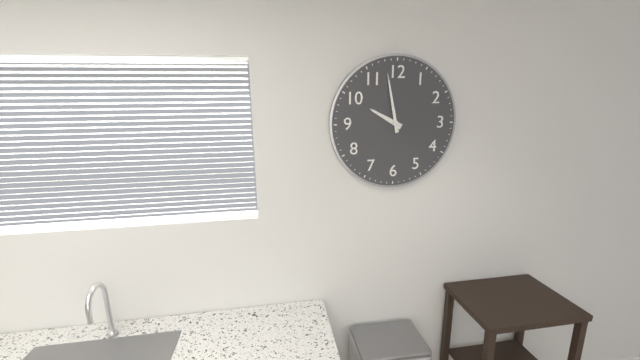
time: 9:58
